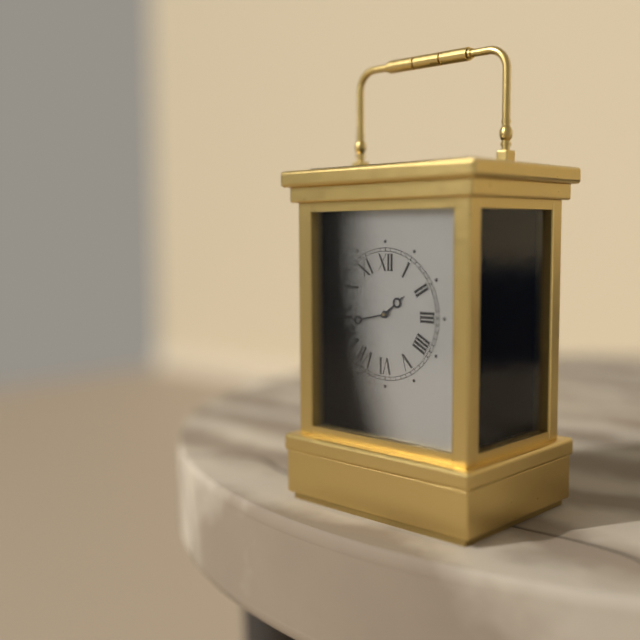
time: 1:43
